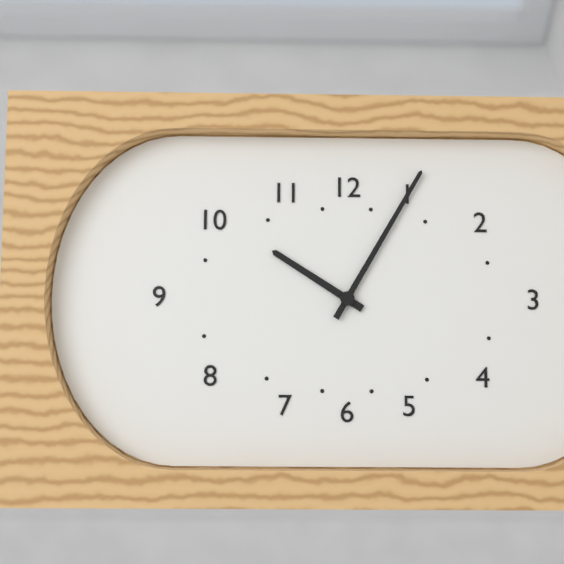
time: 10:05
